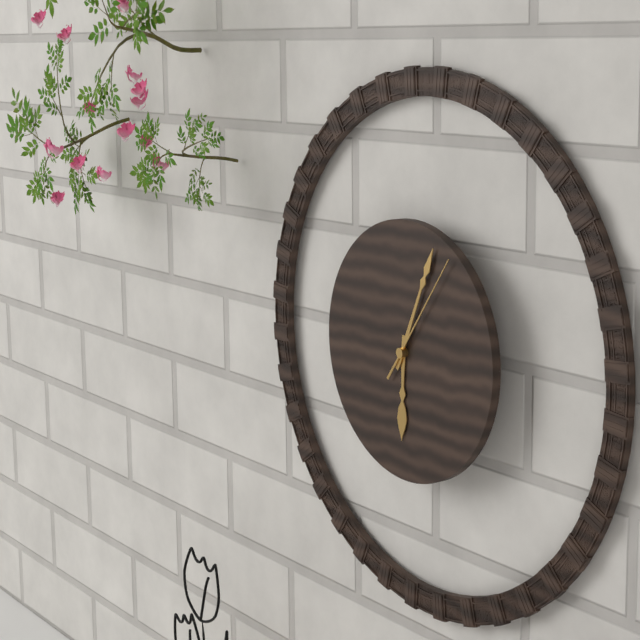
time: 6:04:06
